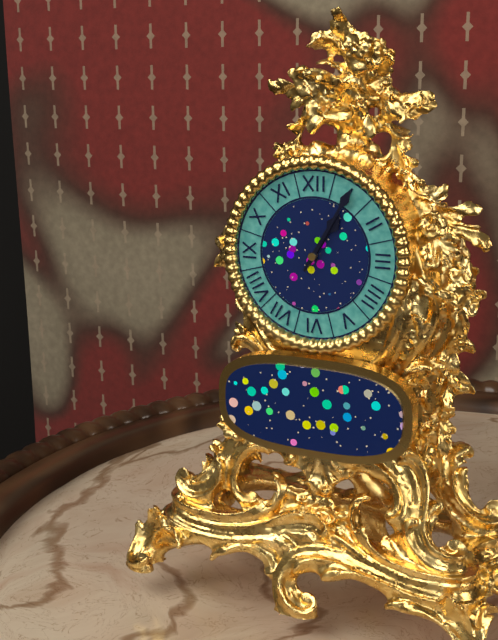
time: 1:05
